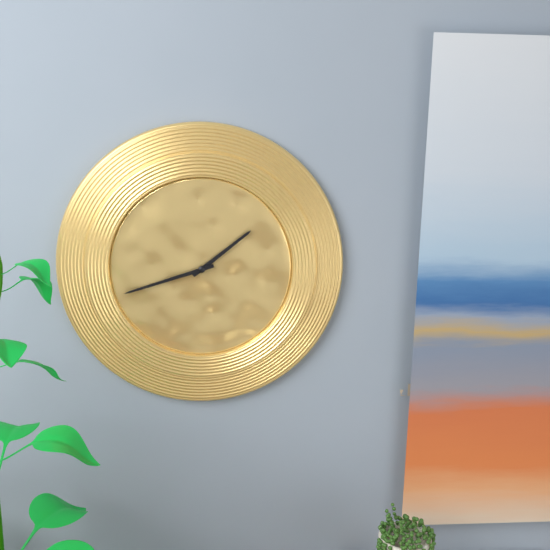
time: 1:42
